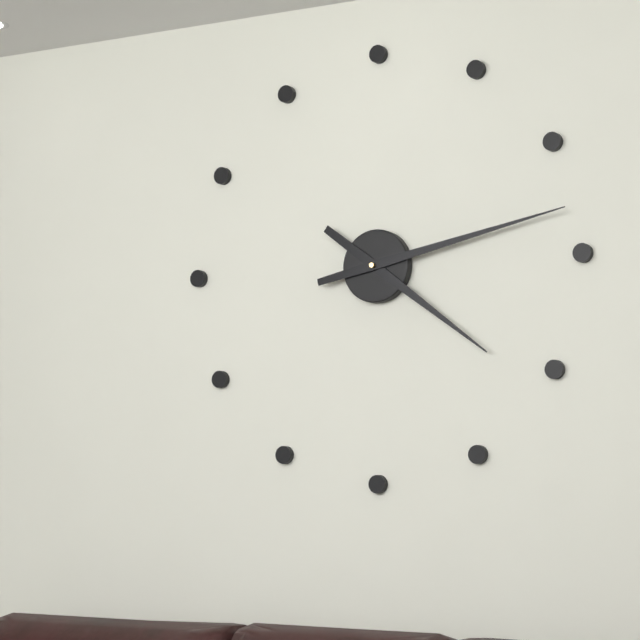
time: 4:13
